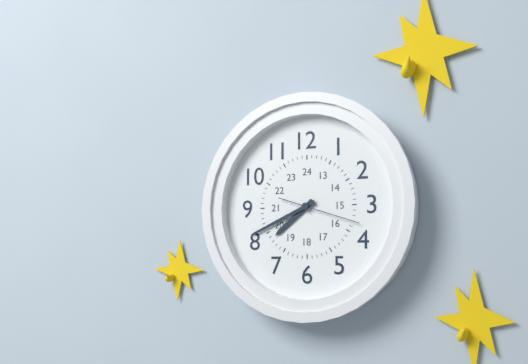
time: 7:41:18
